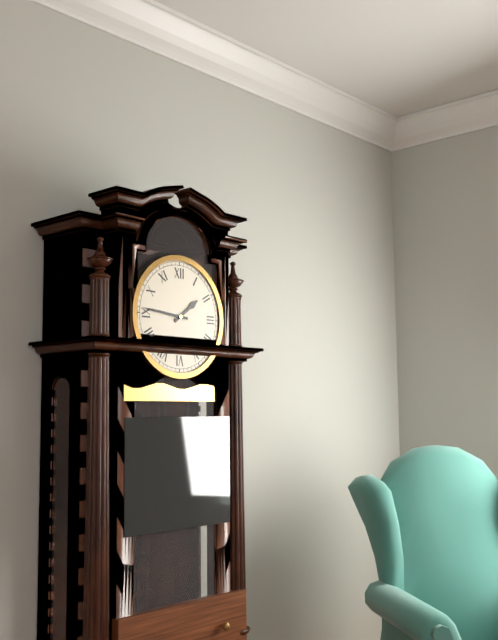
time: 1:46
